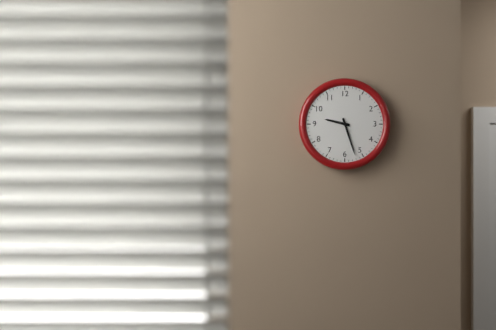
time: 9:27
